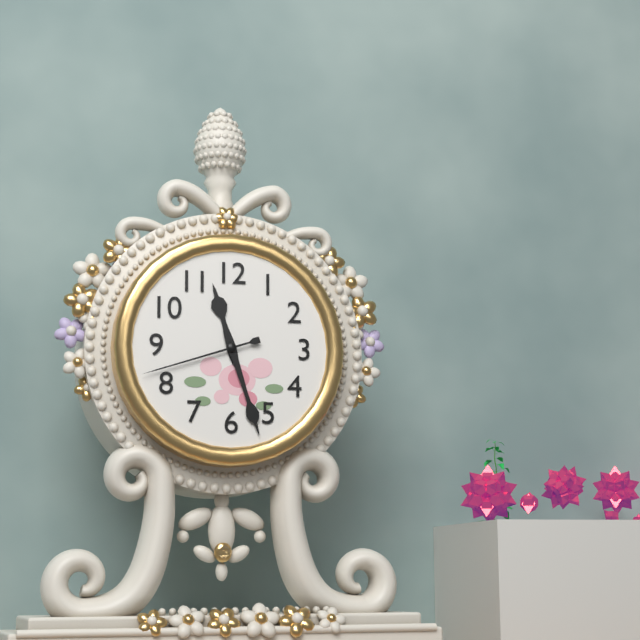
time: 11:27:42
